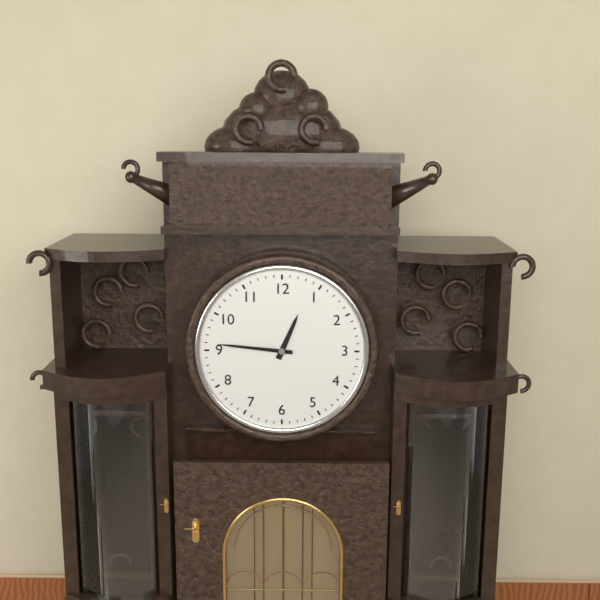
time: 12:46
